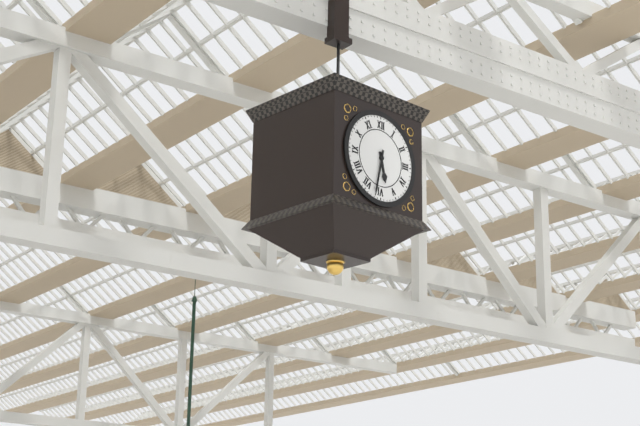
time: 5:32
